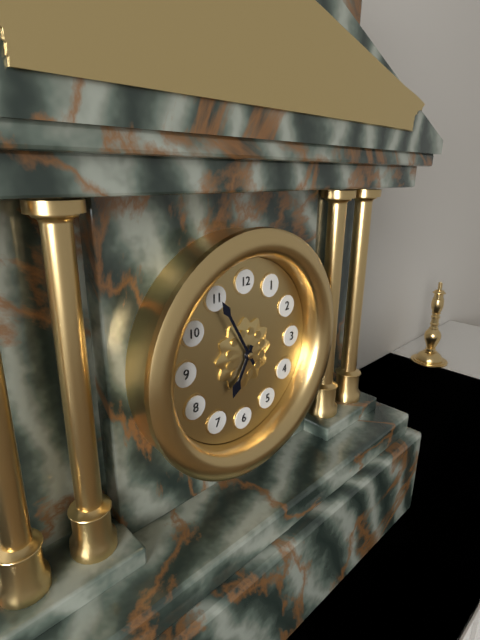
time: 6:55
